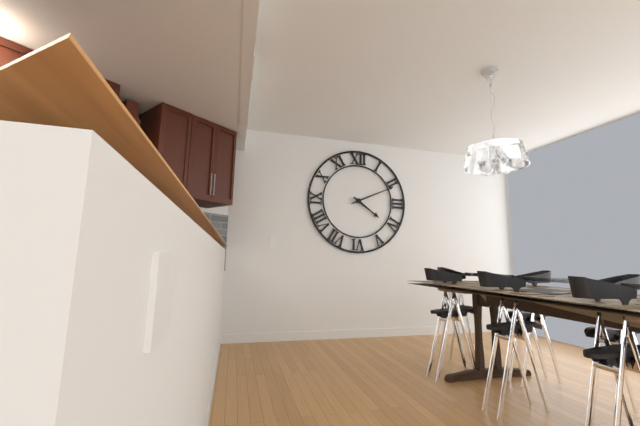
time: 4:11
